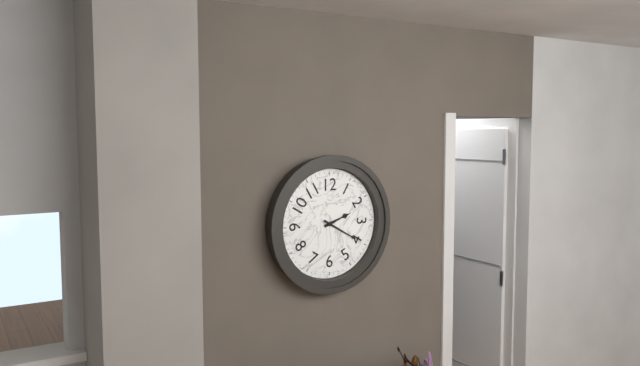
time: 2:20
